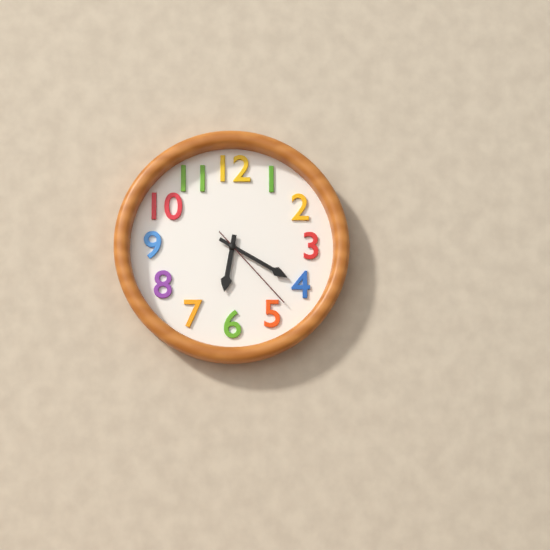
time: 6:20:23
